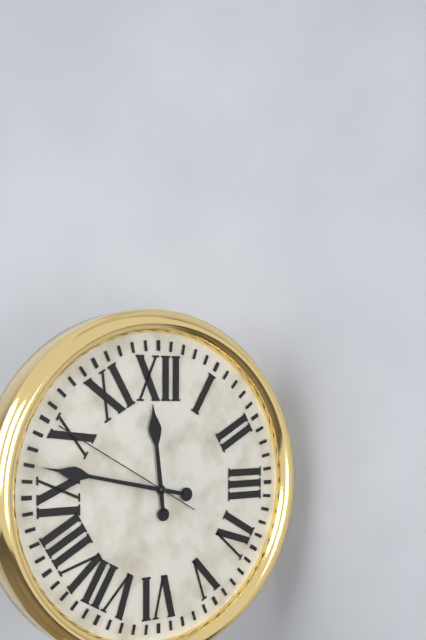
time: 11:47:50
